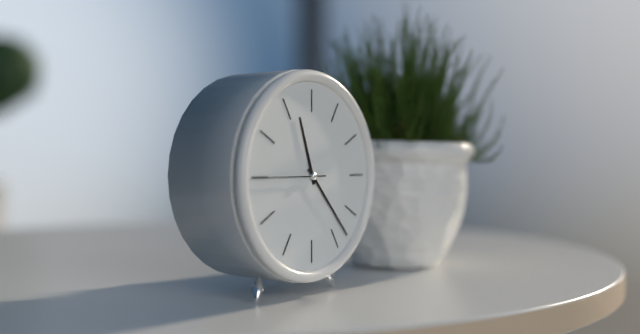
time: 11:23:45
